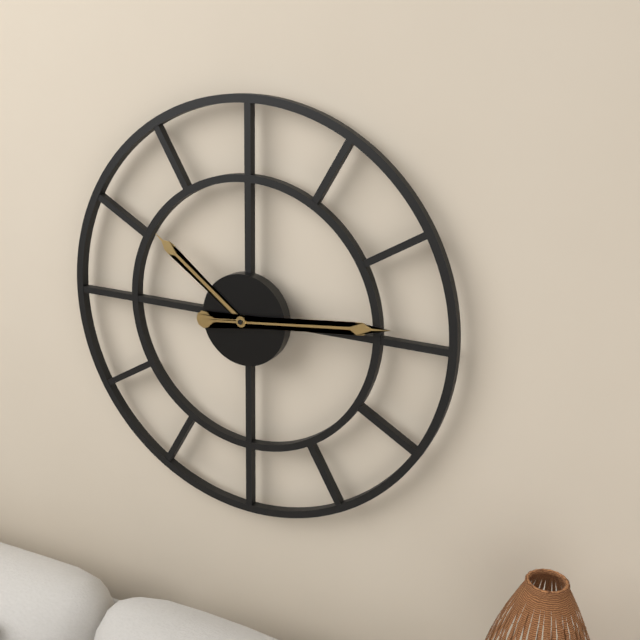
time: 10:14
